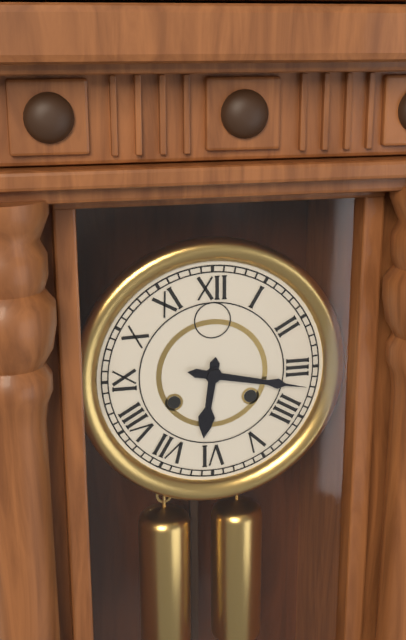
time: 6:17
